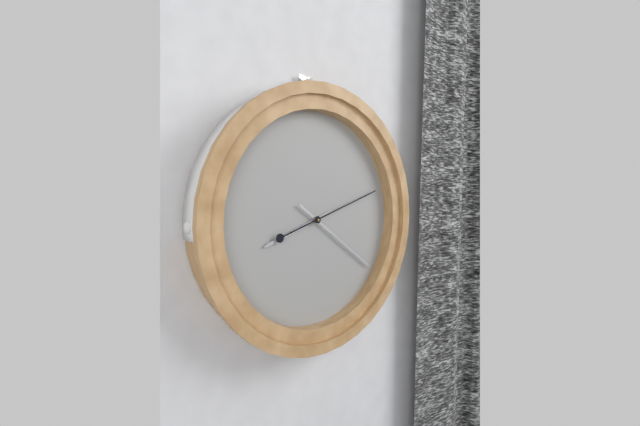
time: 8:21:12
